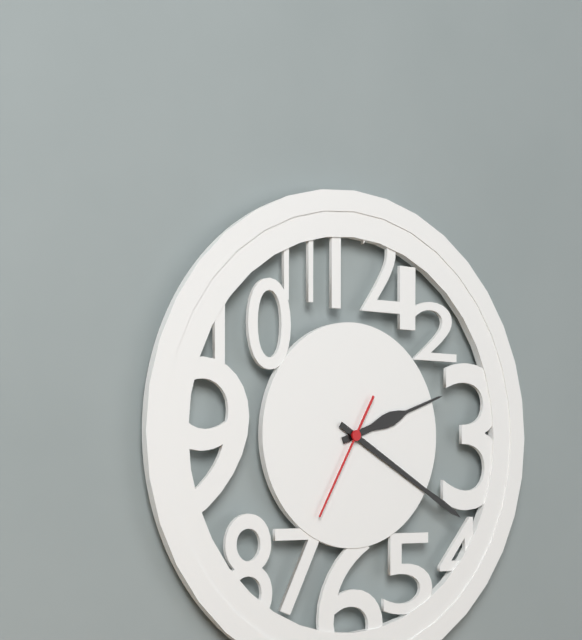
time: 2:20:35
